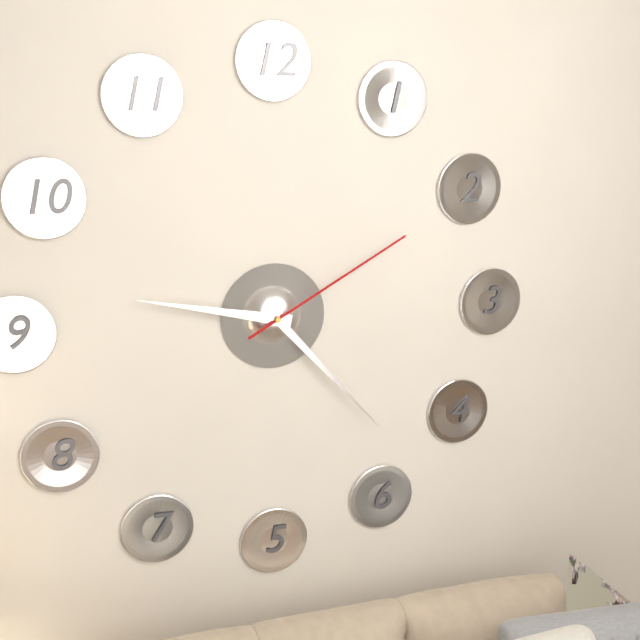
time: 9:23:10
